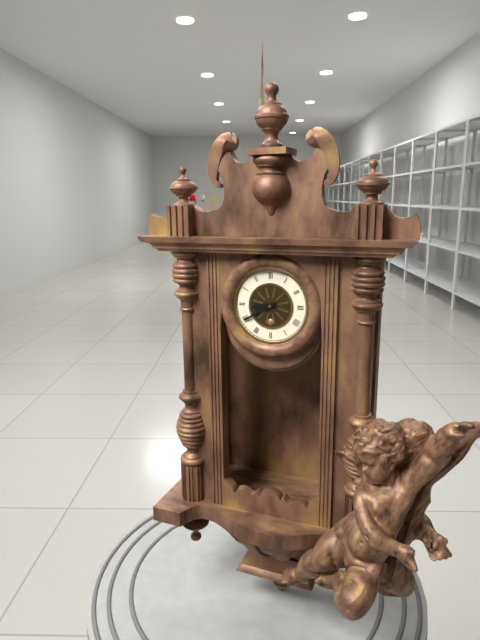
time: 8:40
